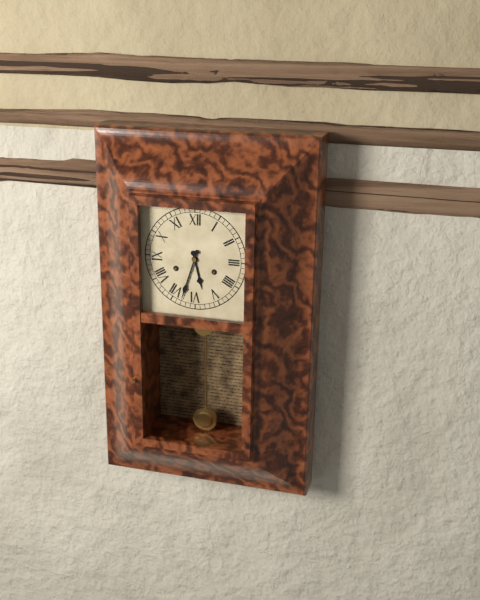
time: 5:33
